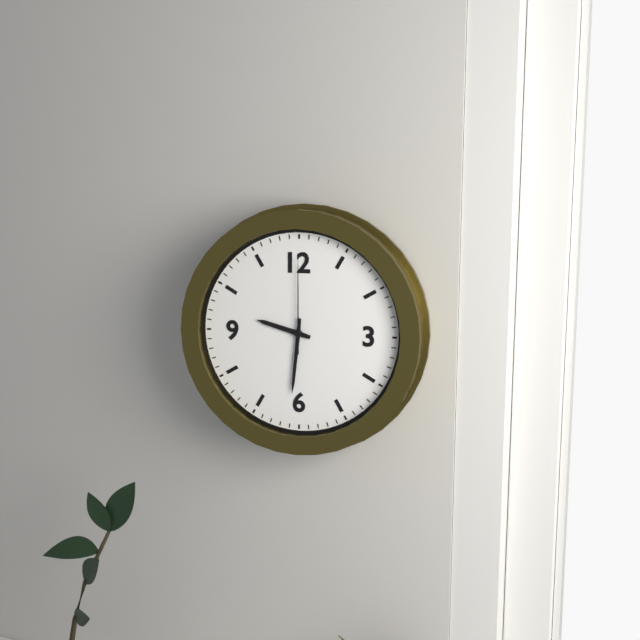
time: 9:31:00
